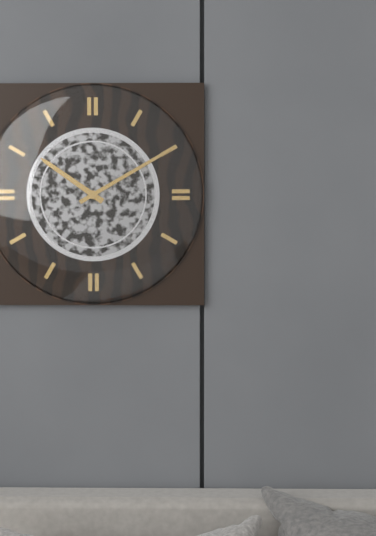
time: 10:10
